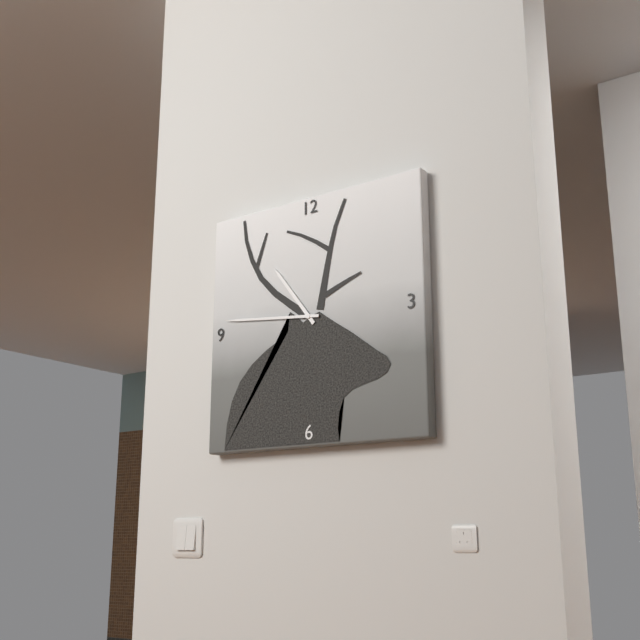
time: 10:46
